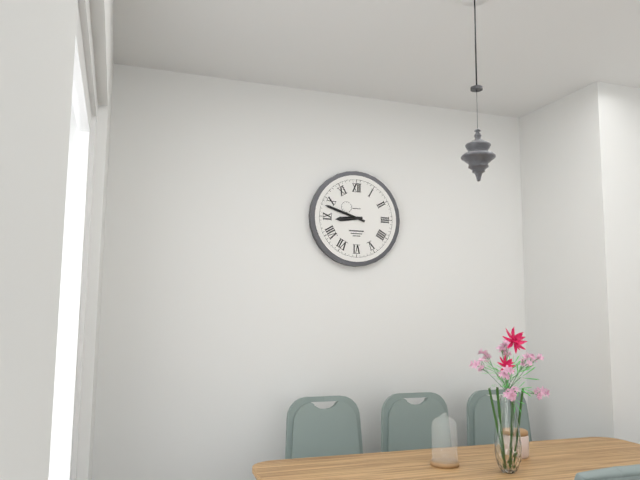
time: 8:48
